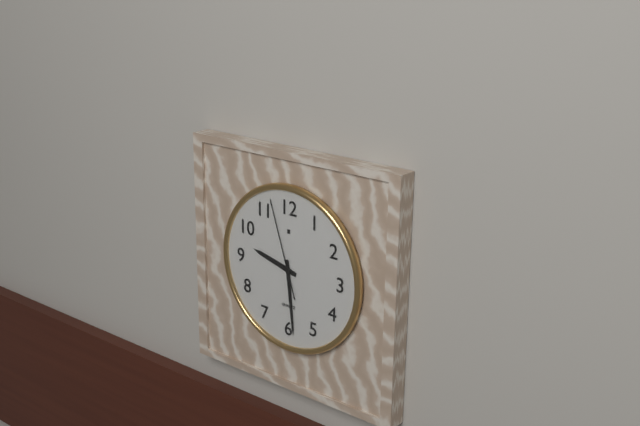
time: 9:29:57
